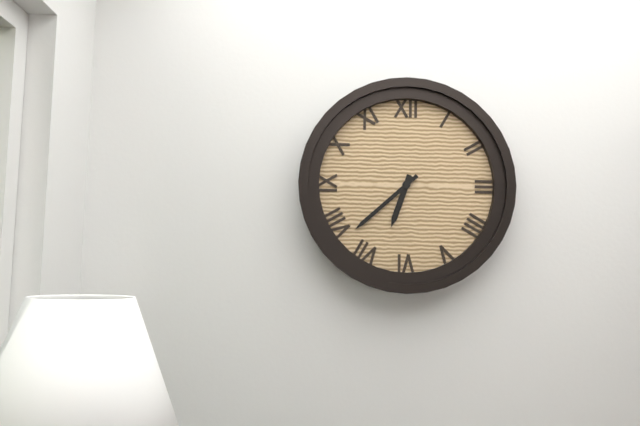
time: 6:38
